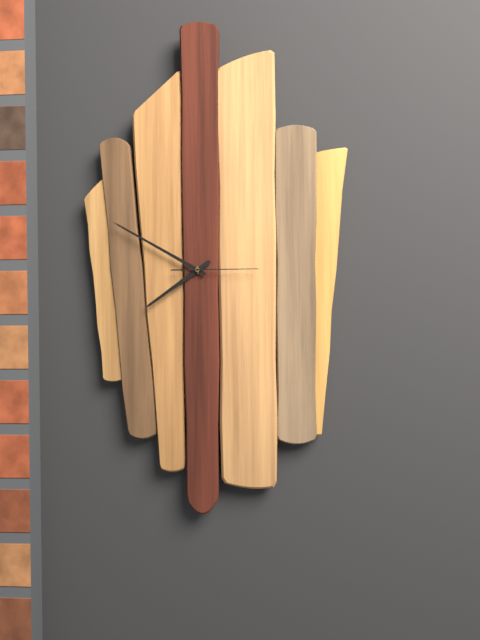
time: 7:50:15
